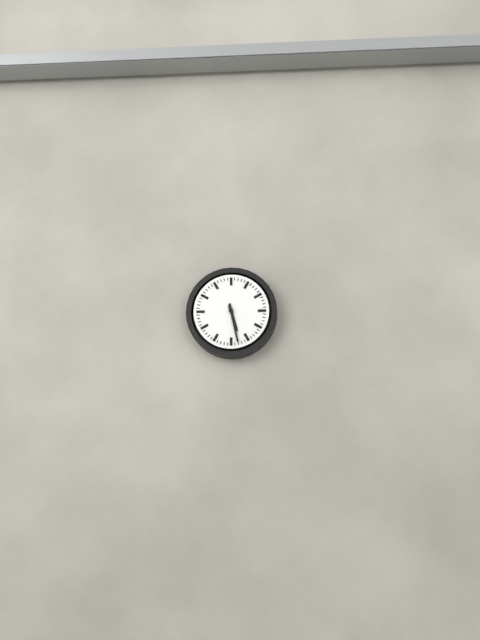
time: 5:28
